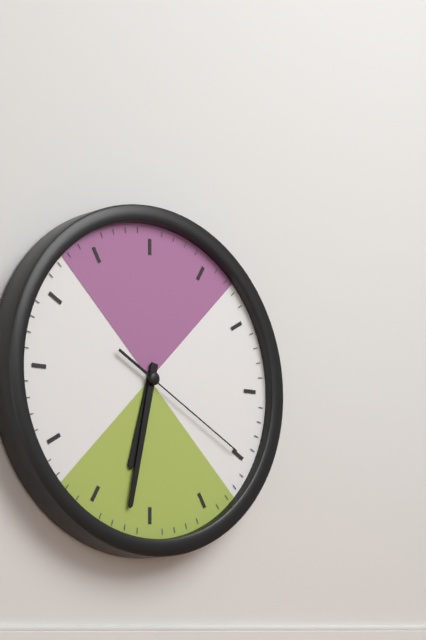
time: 6:32:20
